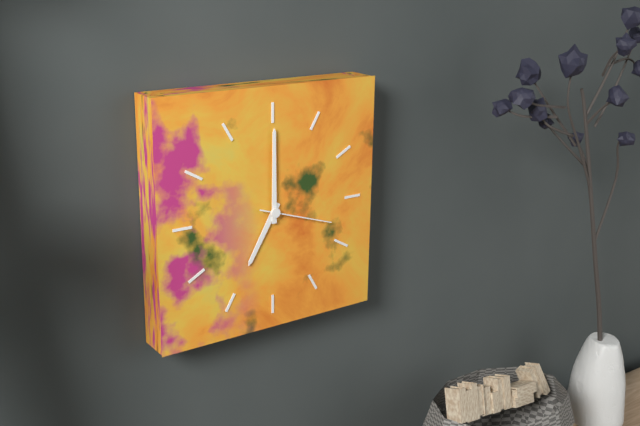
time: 7:00:18
